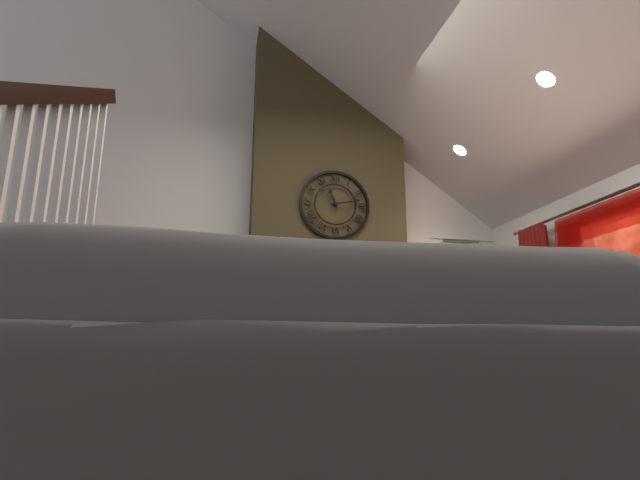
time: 11:13
